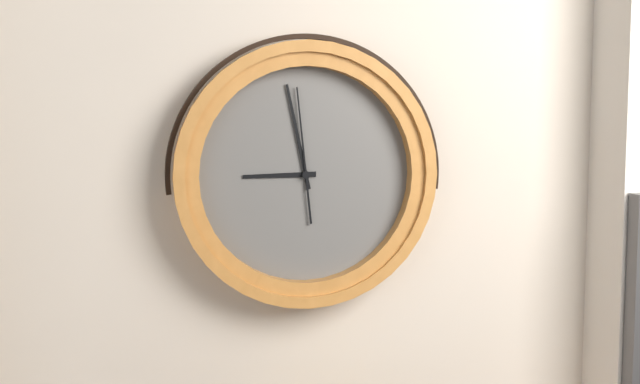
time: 8:58:59
